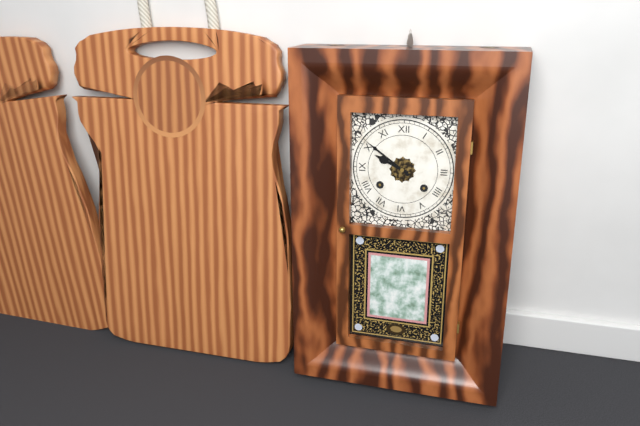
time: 9:51
